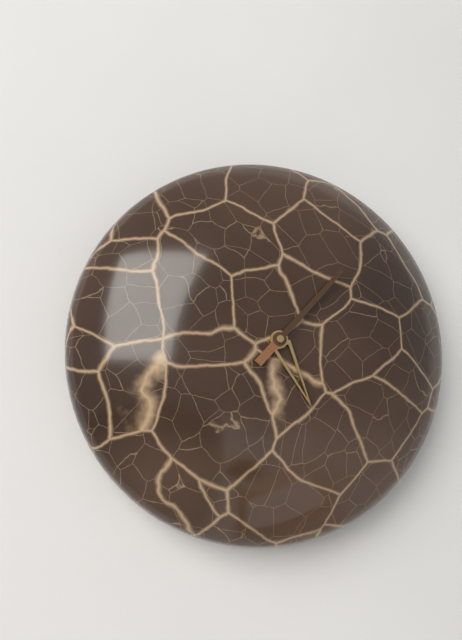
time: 5:07
